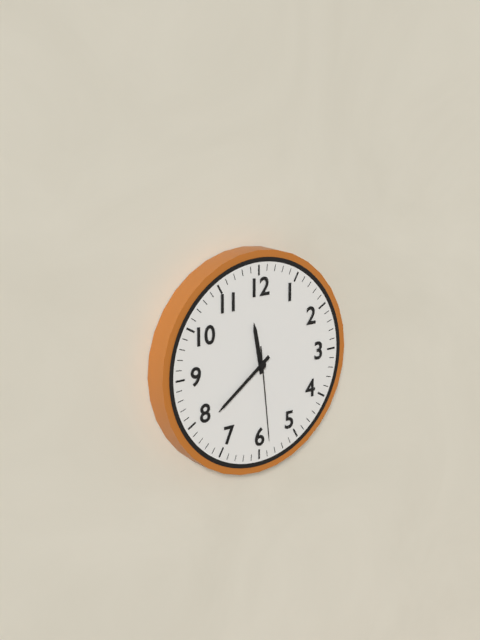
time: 11:39:29
